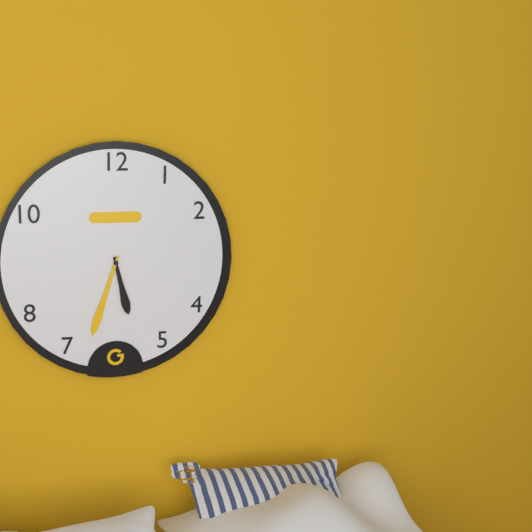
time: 5:33
